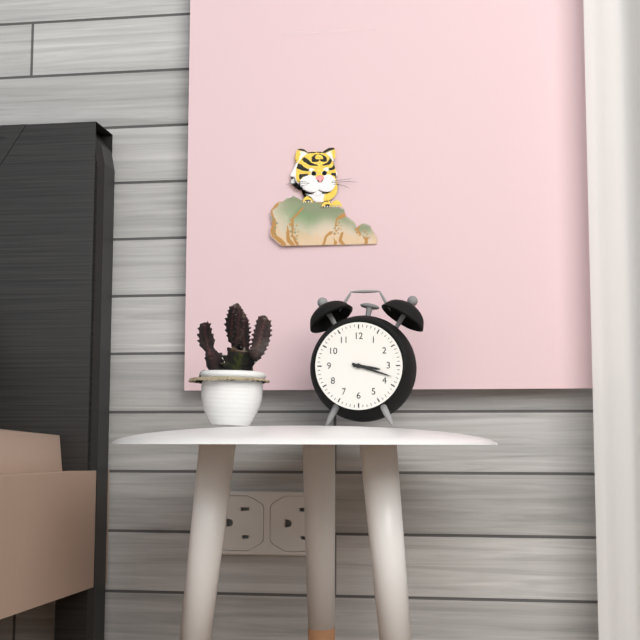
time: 3:18
